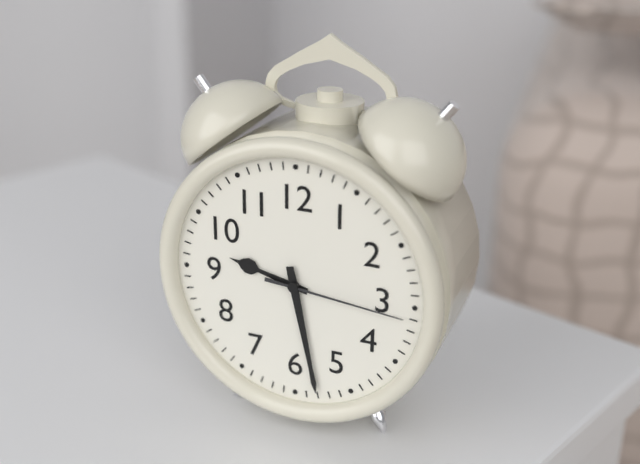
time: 9:28:16
